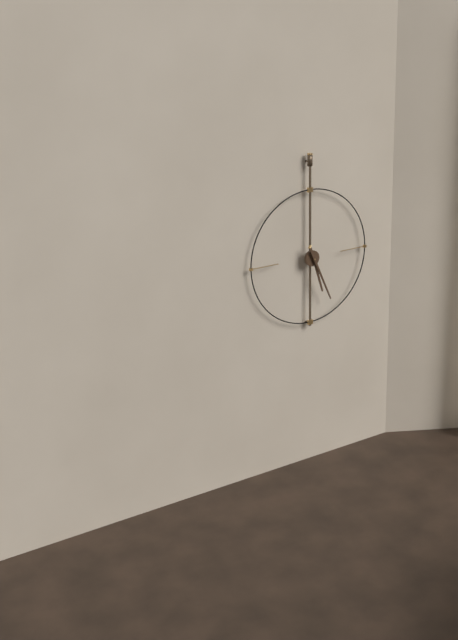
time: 5:26
